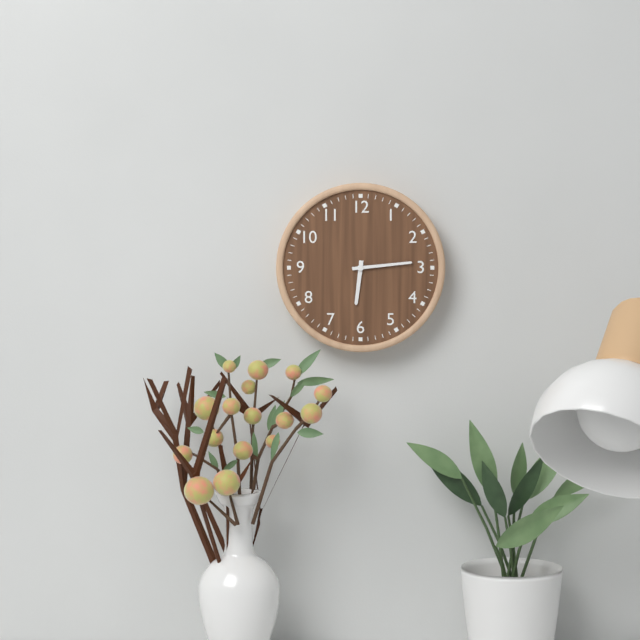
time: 6:14
